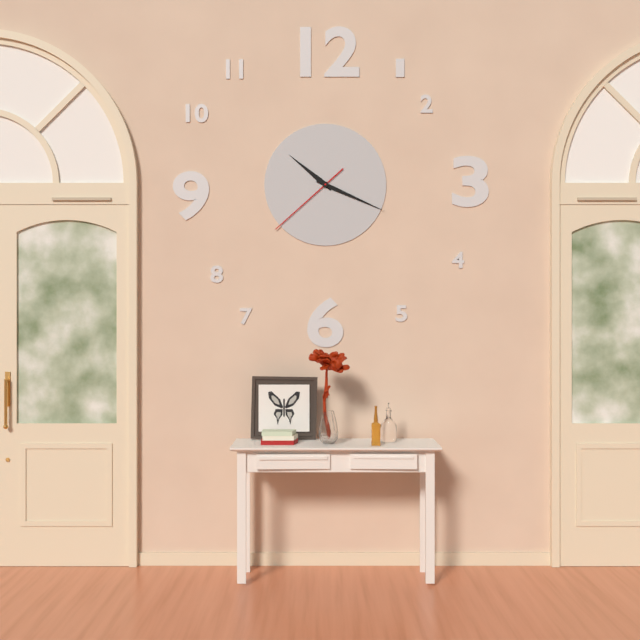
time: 10:19:38
